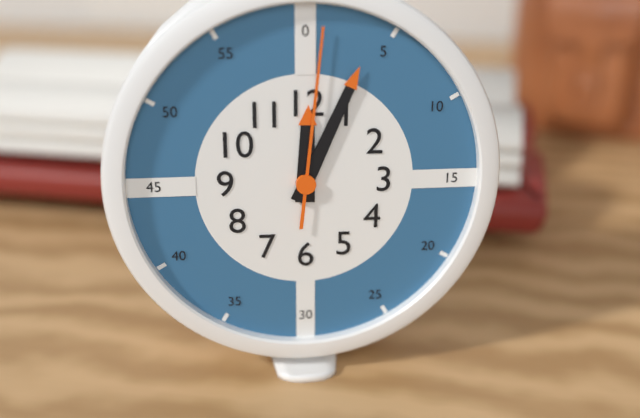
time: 12:04:01
